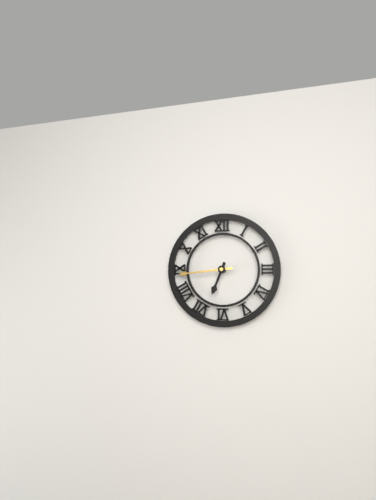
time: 6:44
